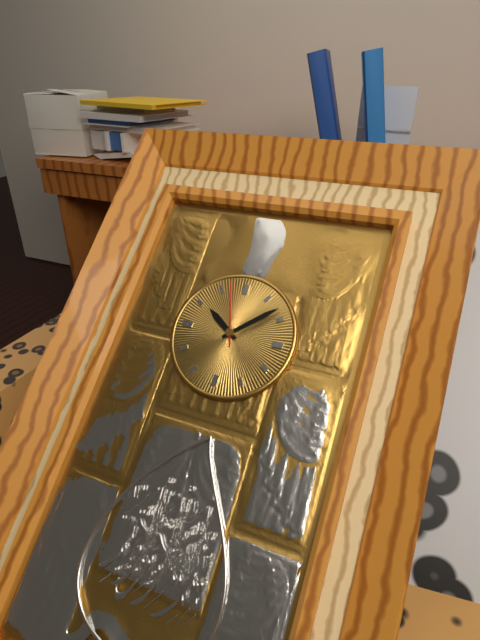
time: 10:08:57
